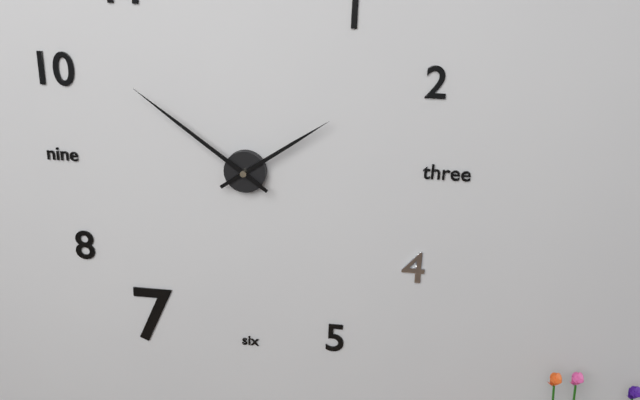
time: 1:51
